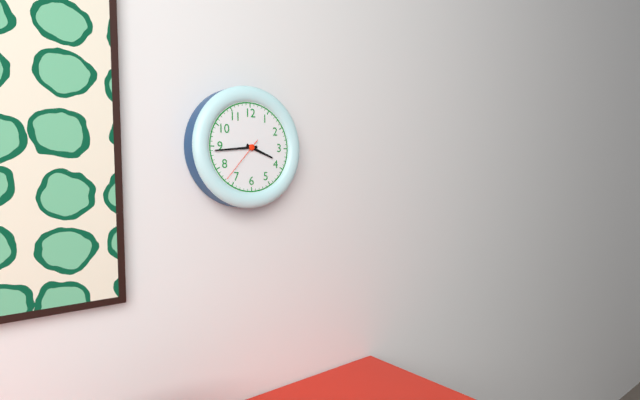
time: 3:44
